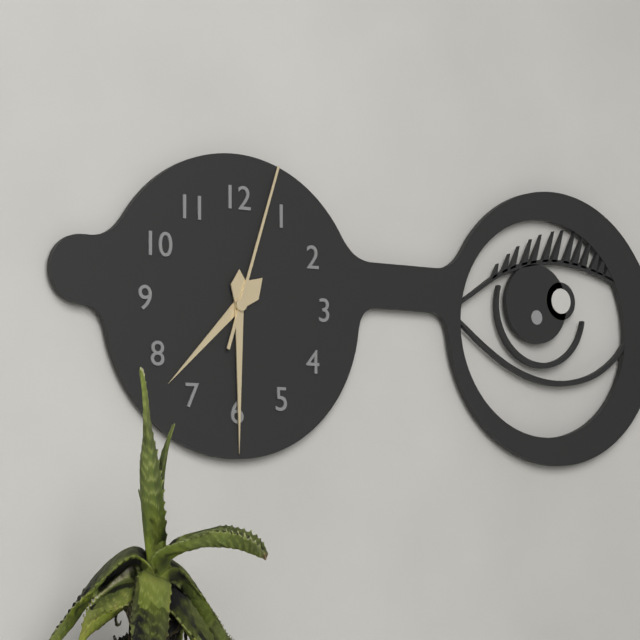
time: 7:30:03
